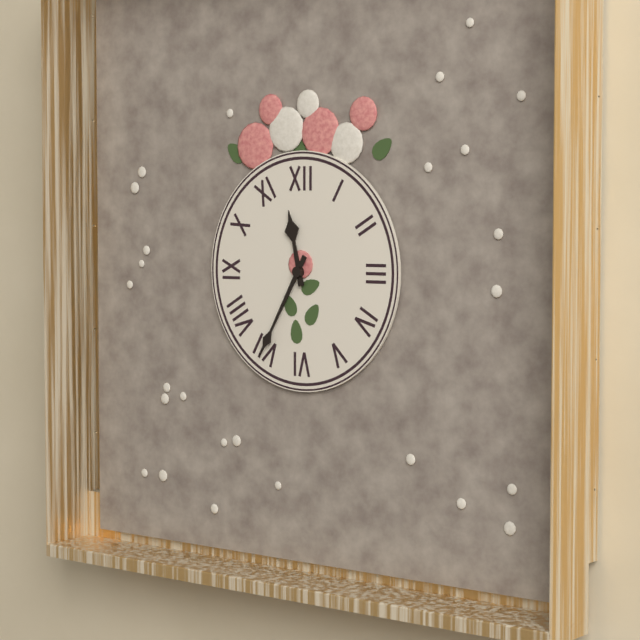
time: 11:35
